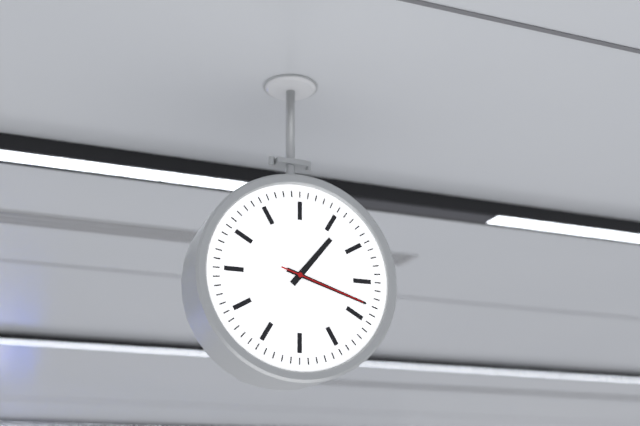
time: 1:18:18
